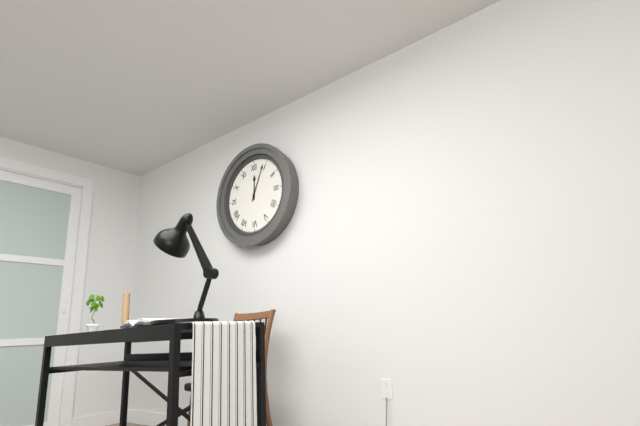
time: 12:04
